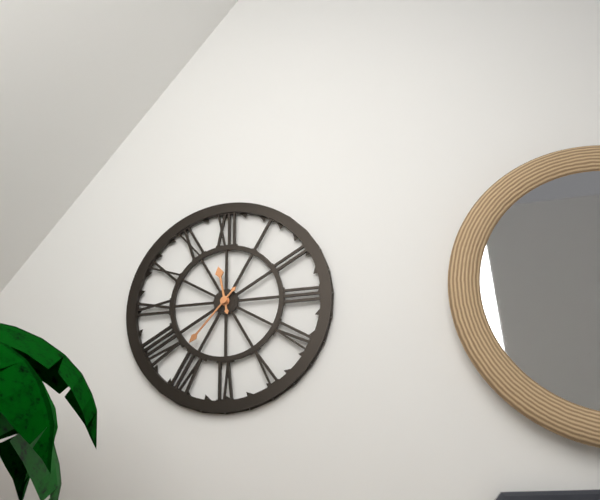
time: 11:37
